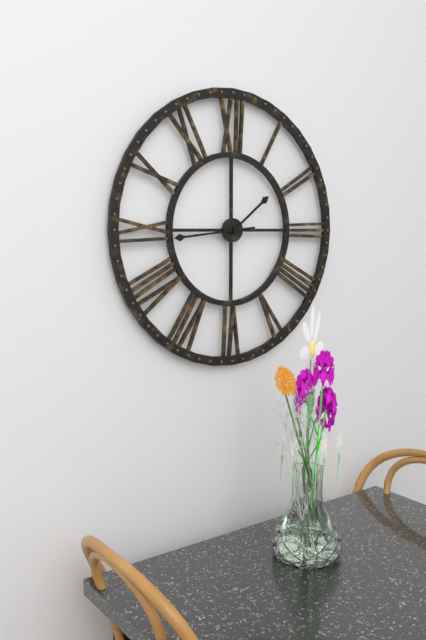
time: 1:44
